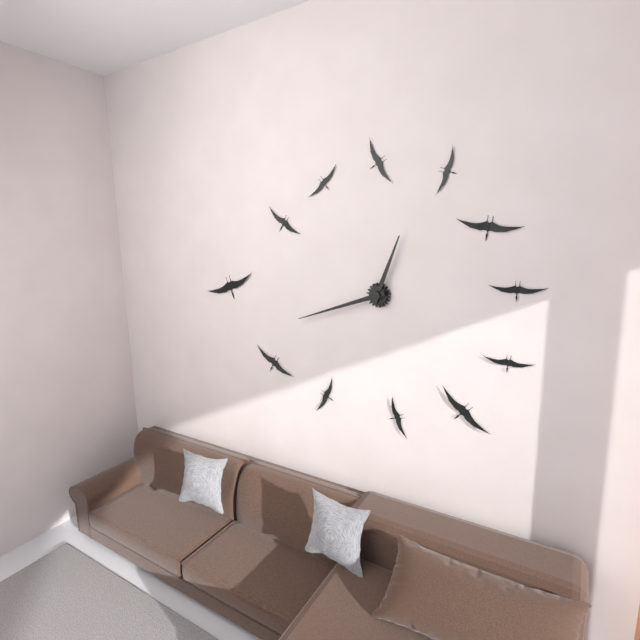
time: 12:42
